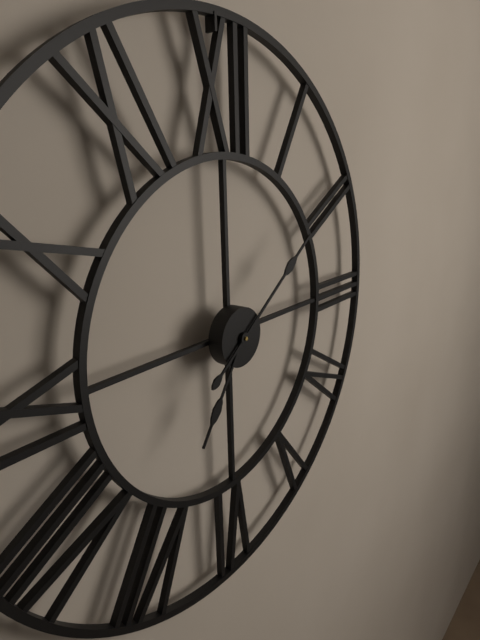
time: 7:09
